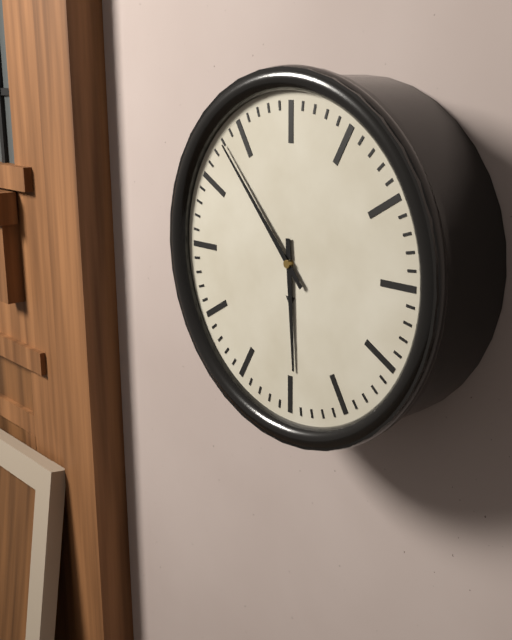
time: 5:53
